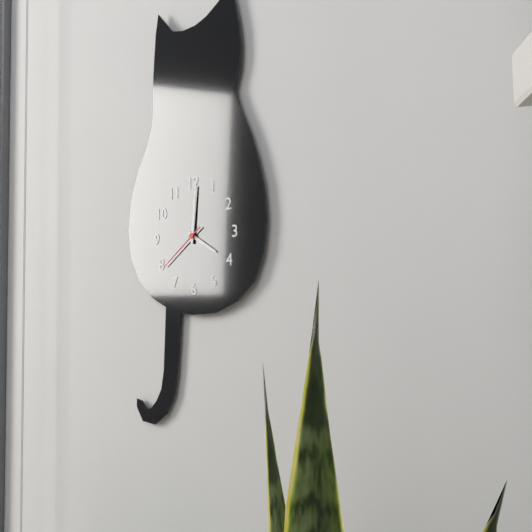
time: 4:01:39
